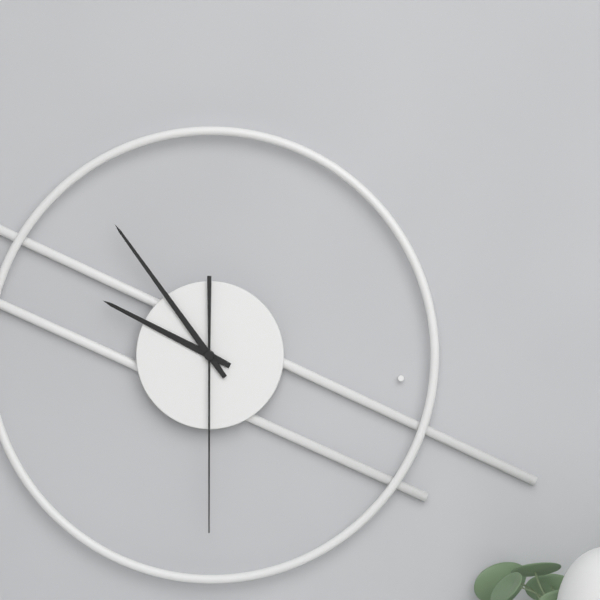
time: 9:54:30
